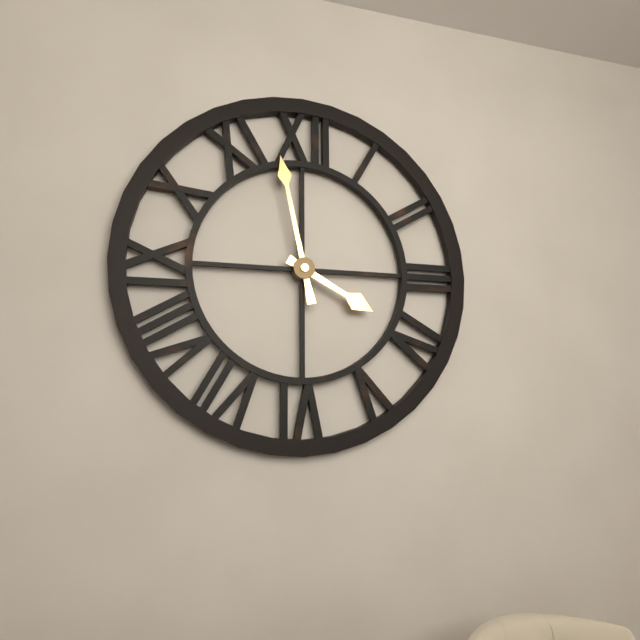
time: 3:58
